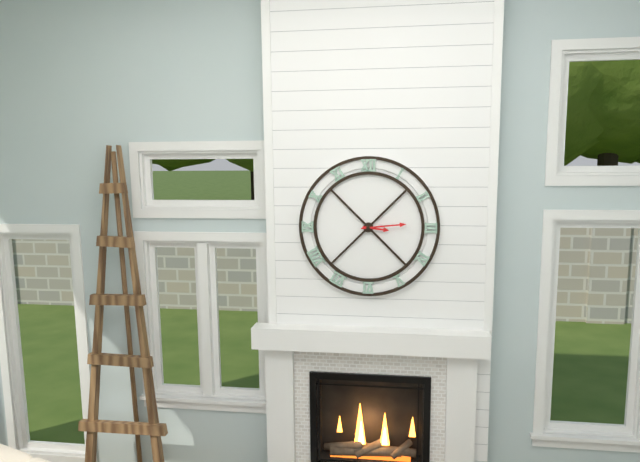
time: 3:14
